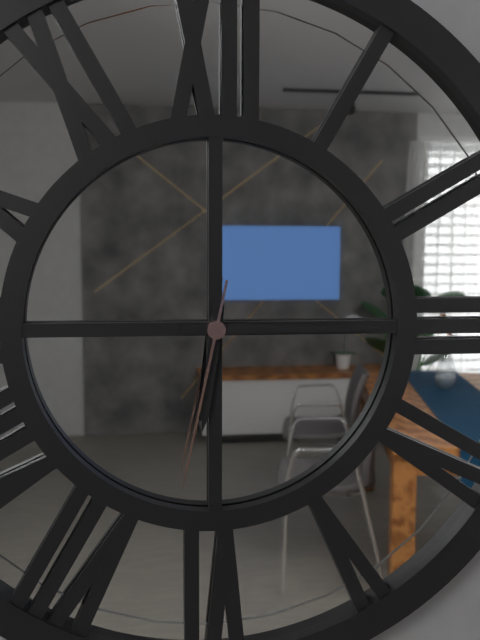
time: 6:15:32
